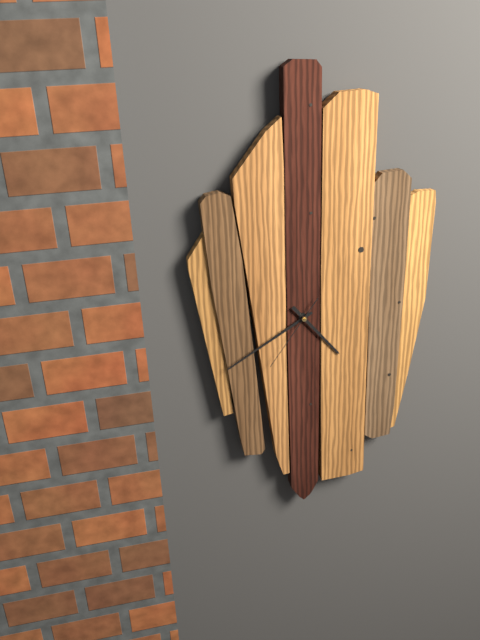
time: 4:40:36
